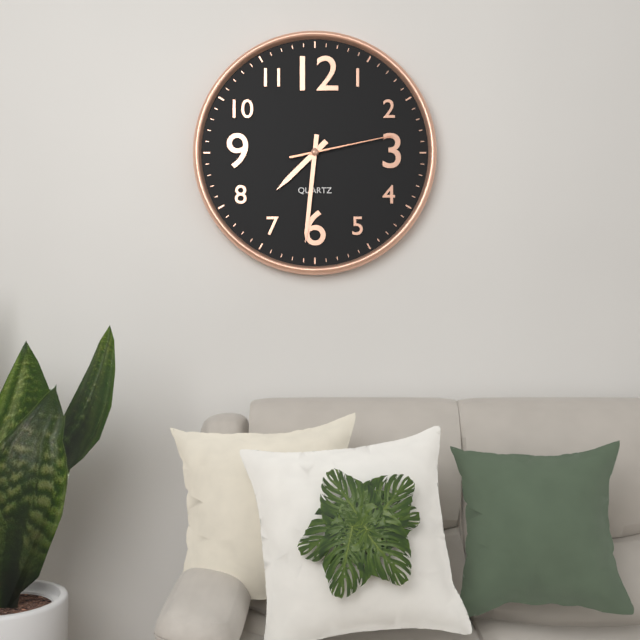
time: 7:31:13
